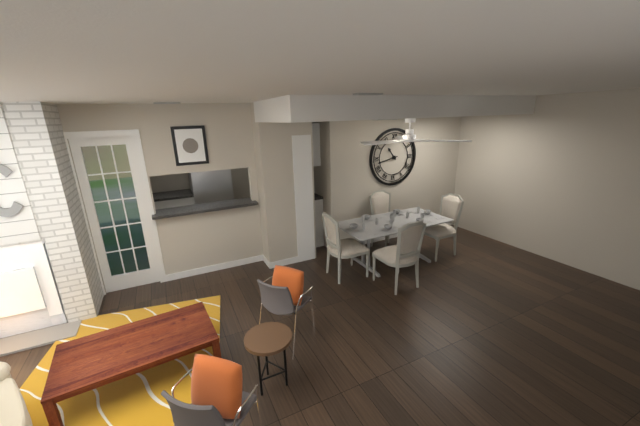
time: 10:43
